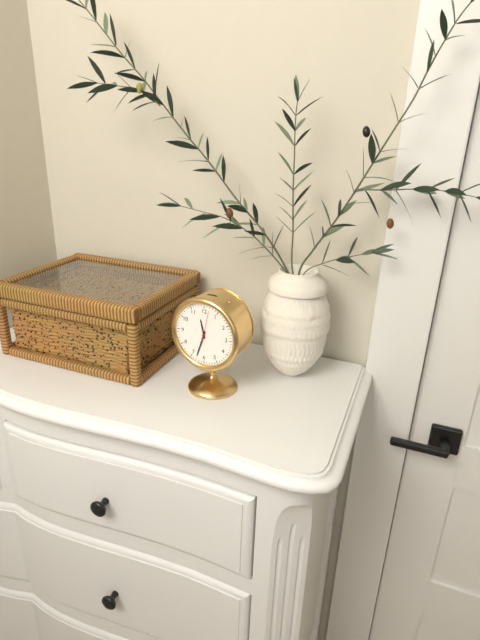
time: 11:33
